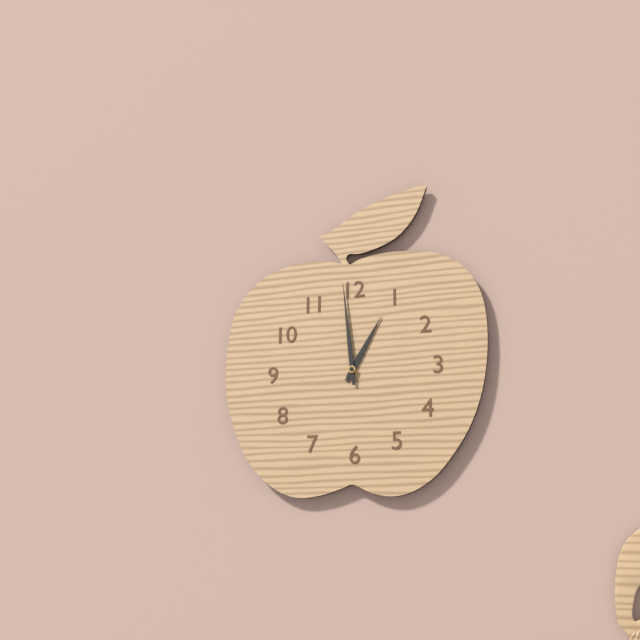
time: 12:59
